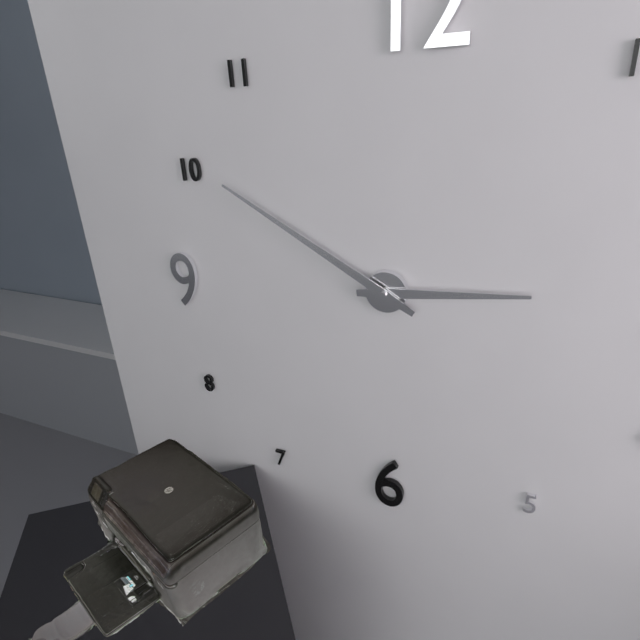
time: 2:50
